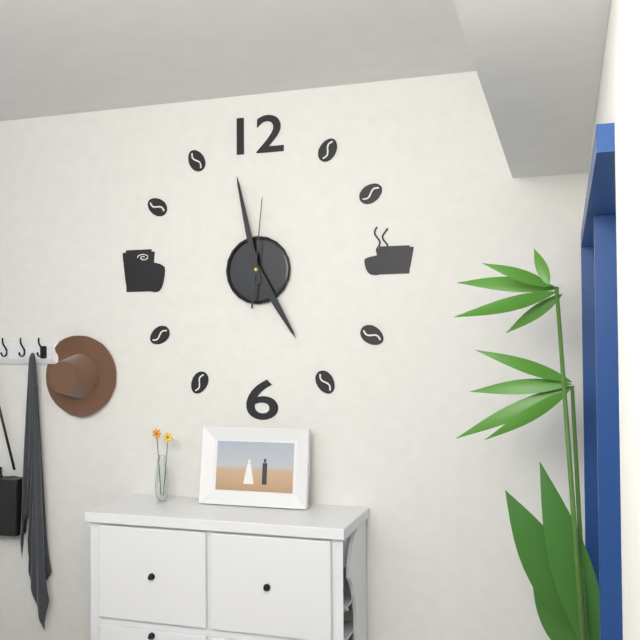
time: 4:58:01
